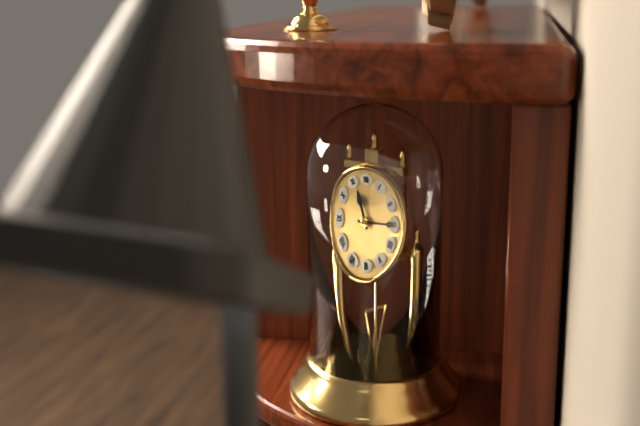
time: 11:15
